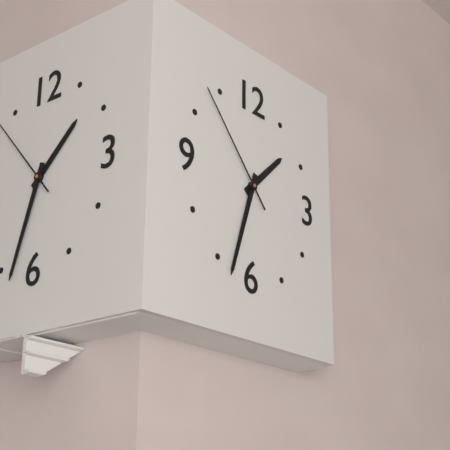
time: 1:33:53
